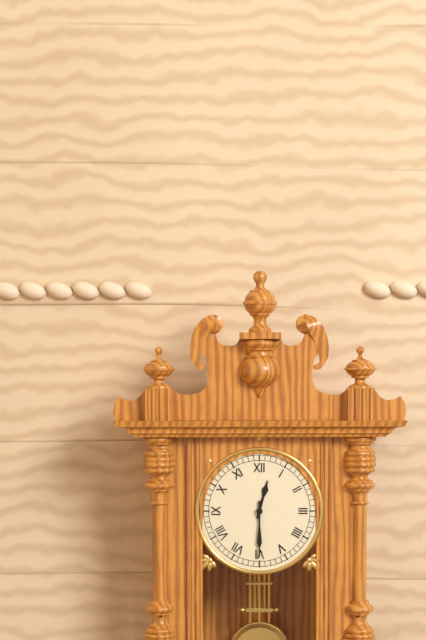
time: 12:30
